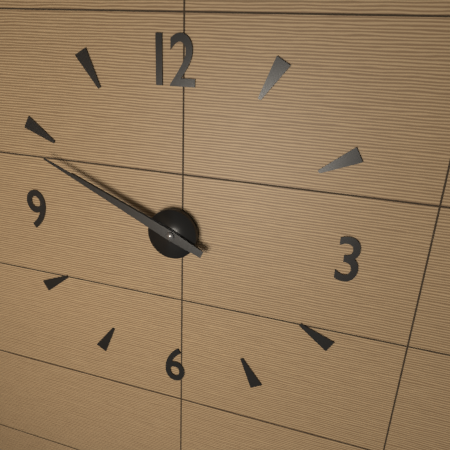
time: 9:49
